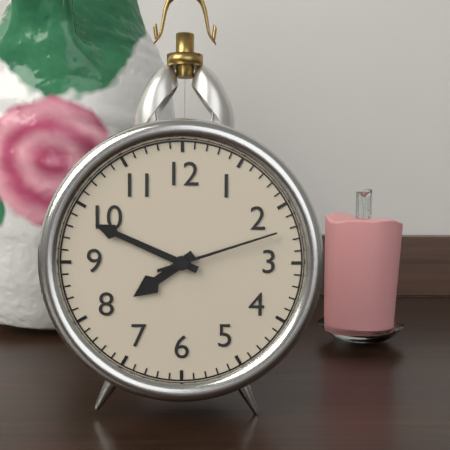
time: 7:49:12
